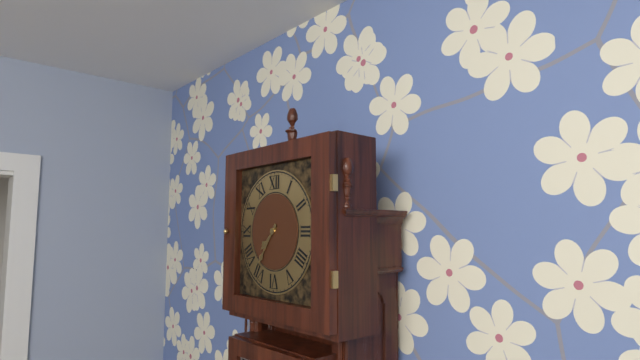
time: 7:36
